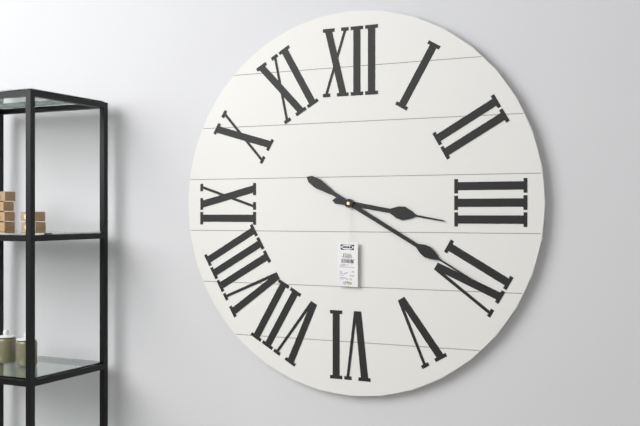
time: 3:20
